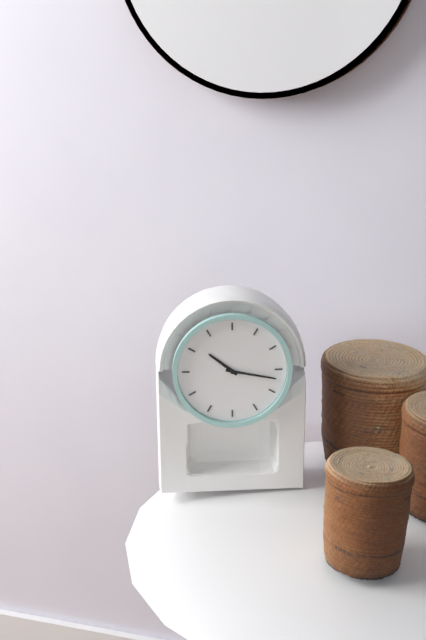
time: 10:17
